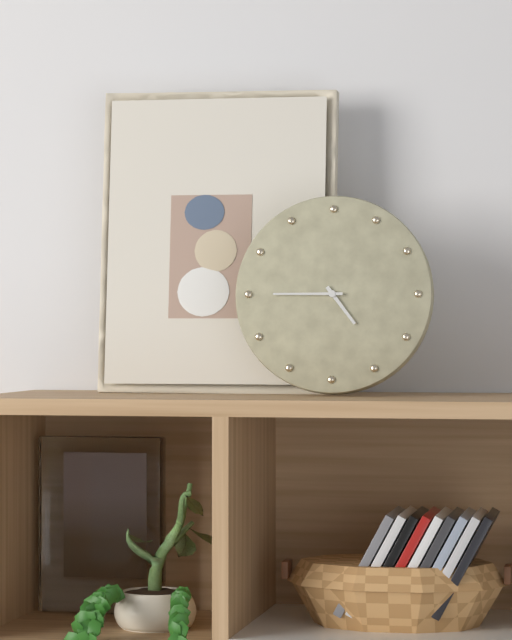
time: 4:45
